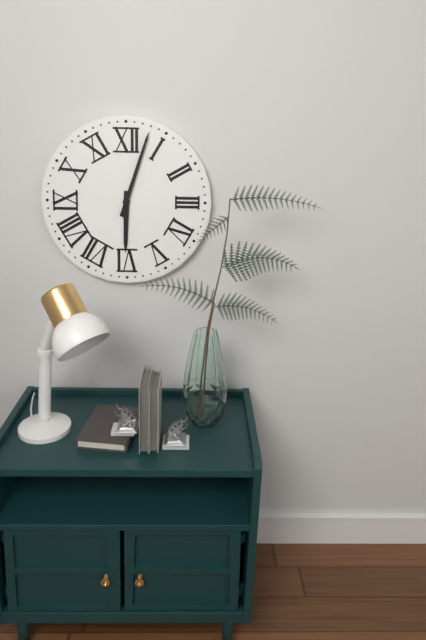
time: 6:03
